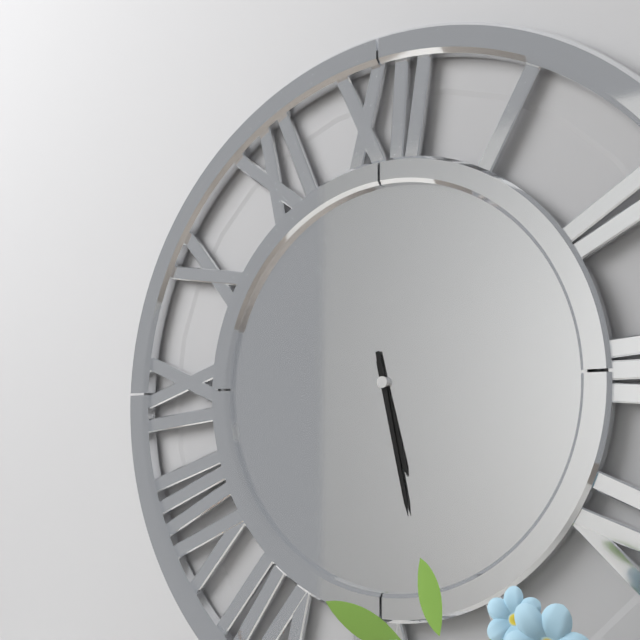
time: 5:28
